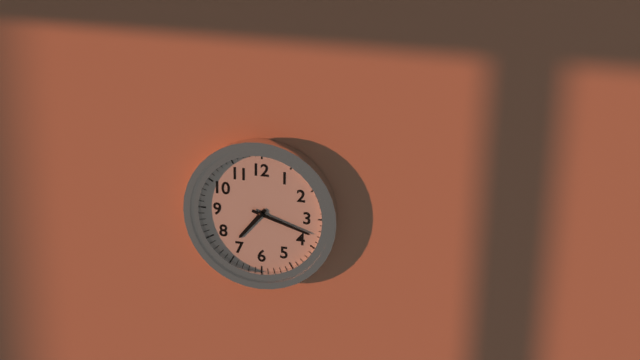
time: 7:18
